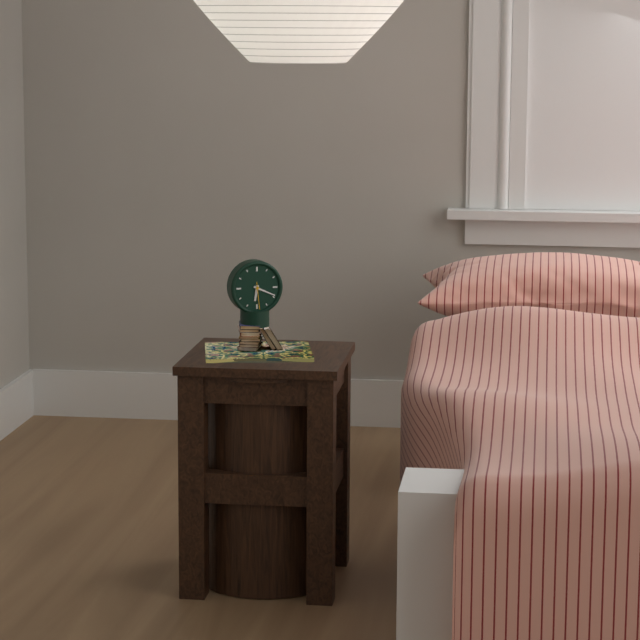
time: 6:19
